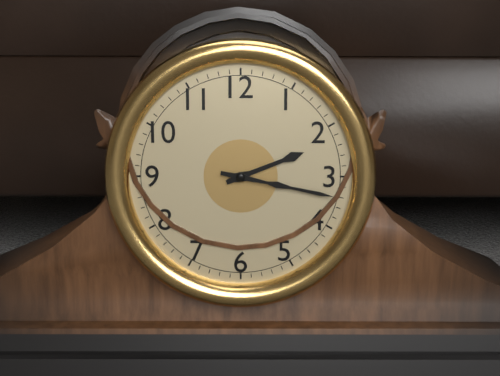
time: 2:17
